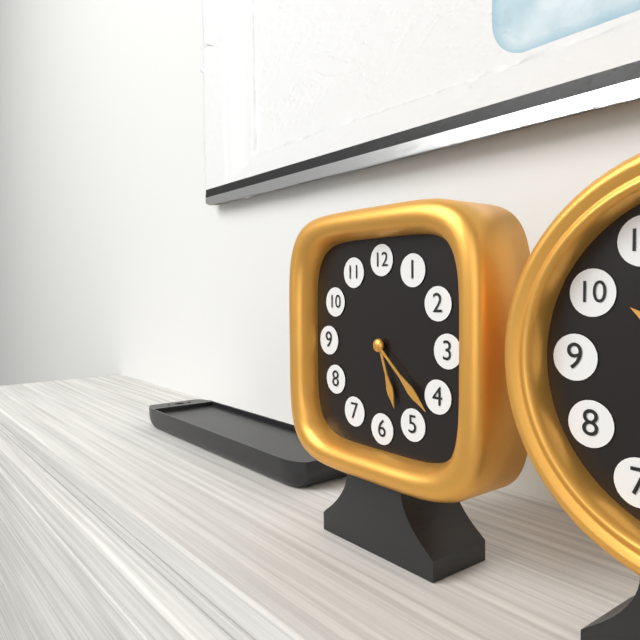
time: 5:22
